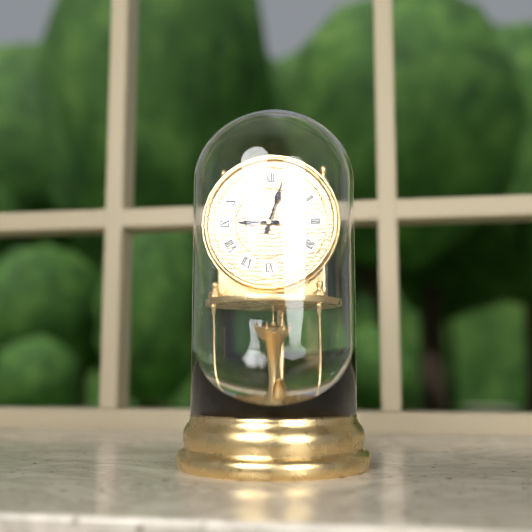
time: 9:03
